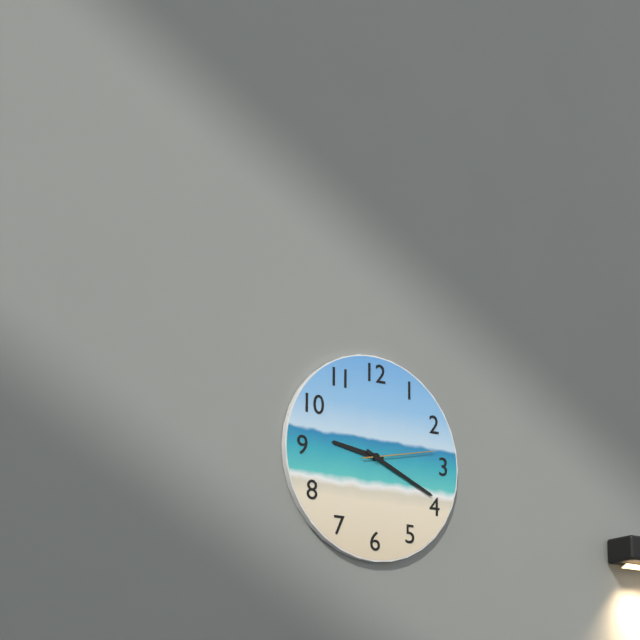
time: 9:19:13
